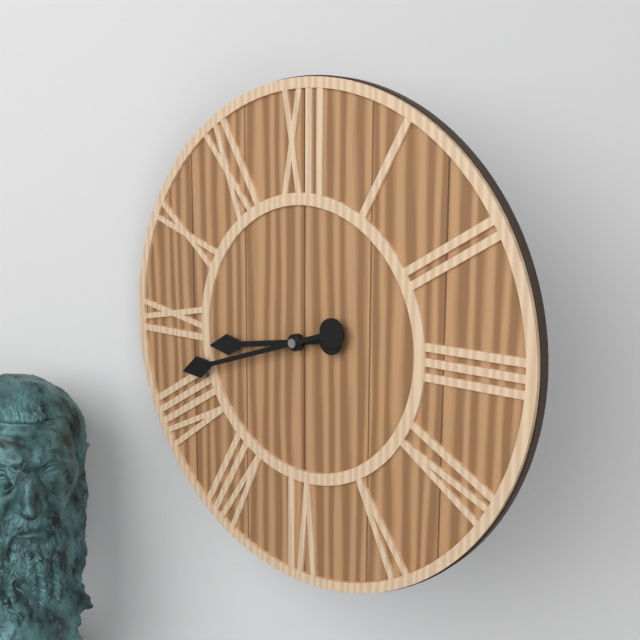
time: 8:42
